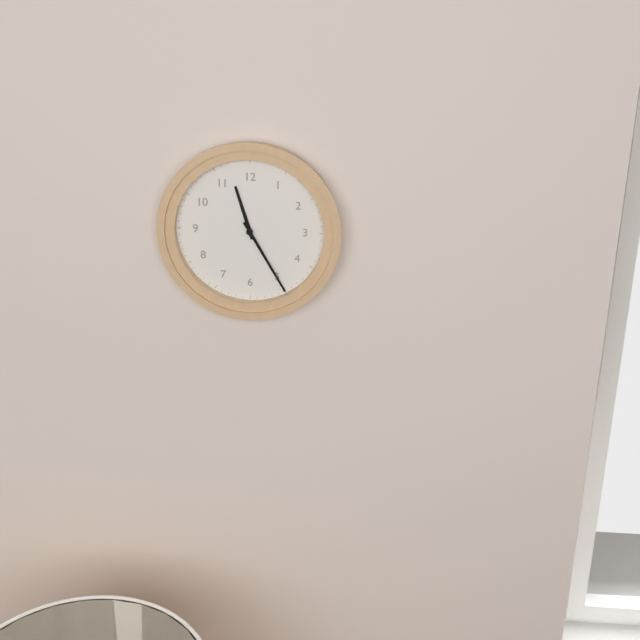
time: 11:25
